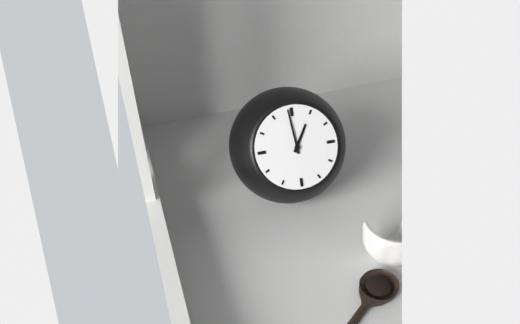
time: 12:59
